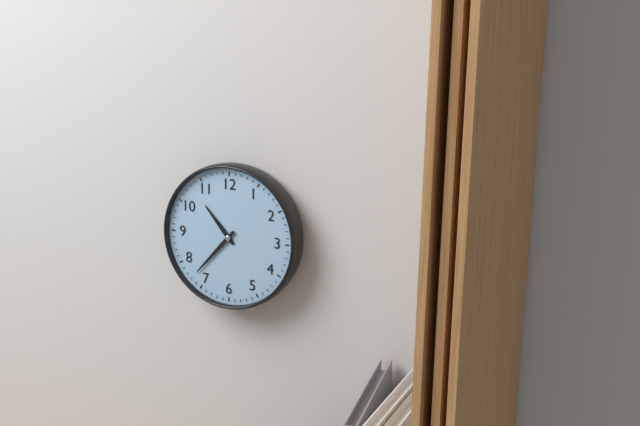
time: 10:37
